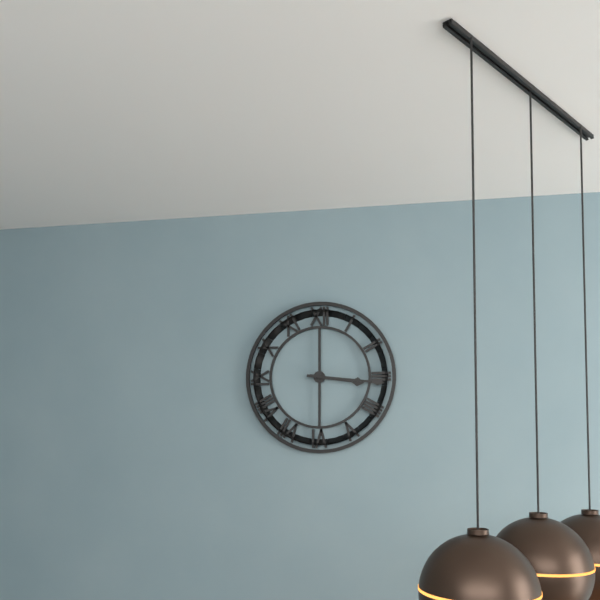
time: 3:16
